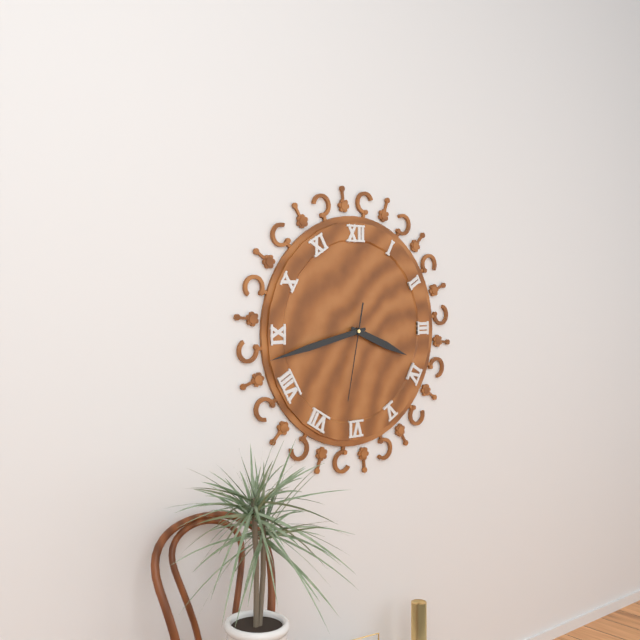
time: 3:43:32
